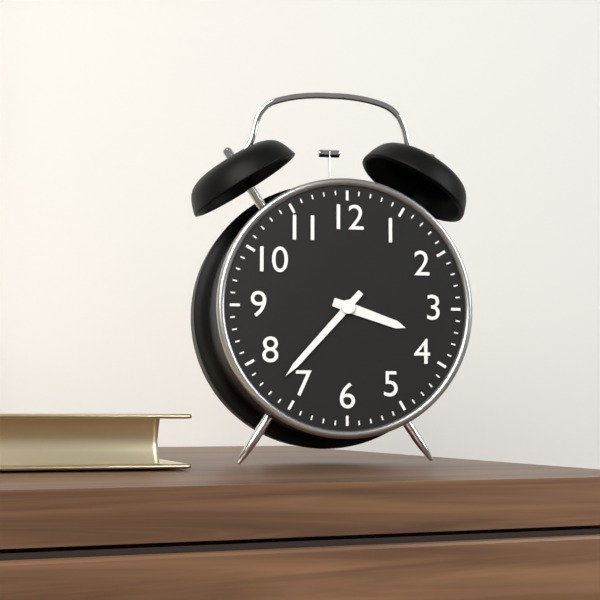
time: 3:37
